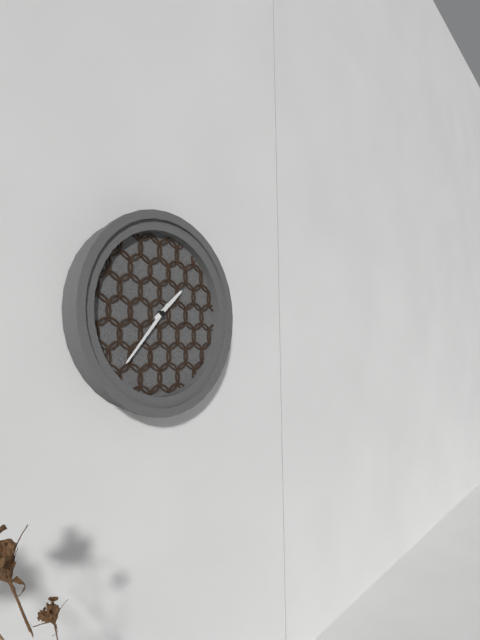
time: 1:37
